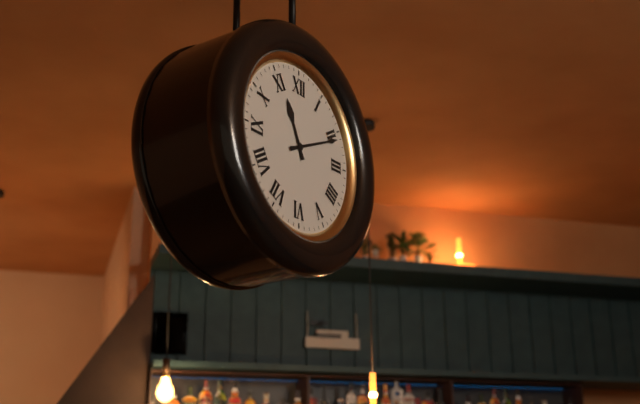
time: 11:11
